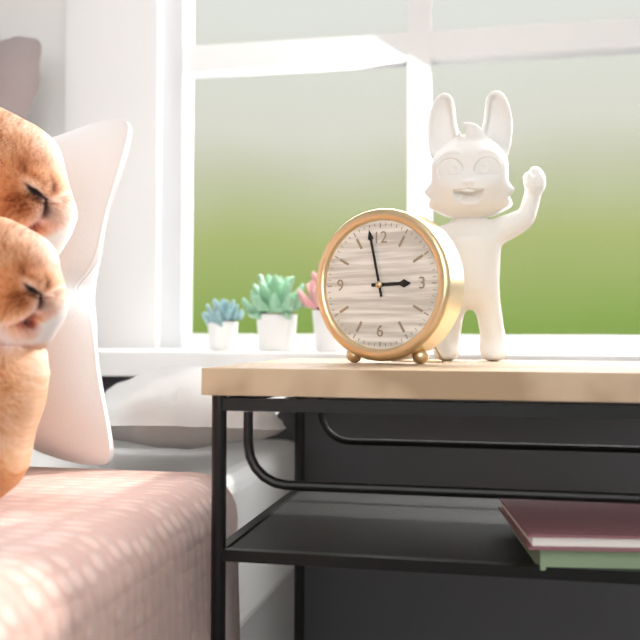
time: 2:58
